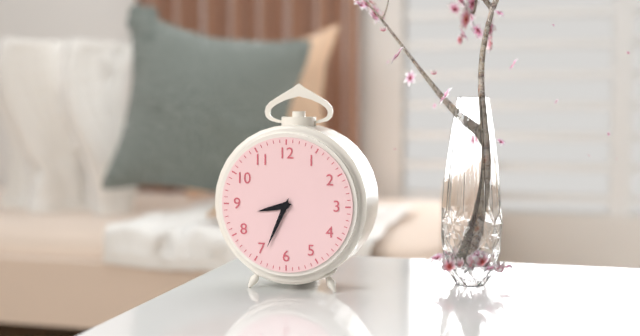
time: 8:34
